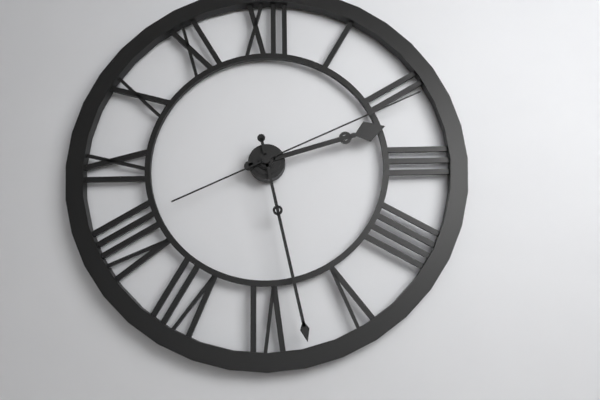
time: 2:28:11
